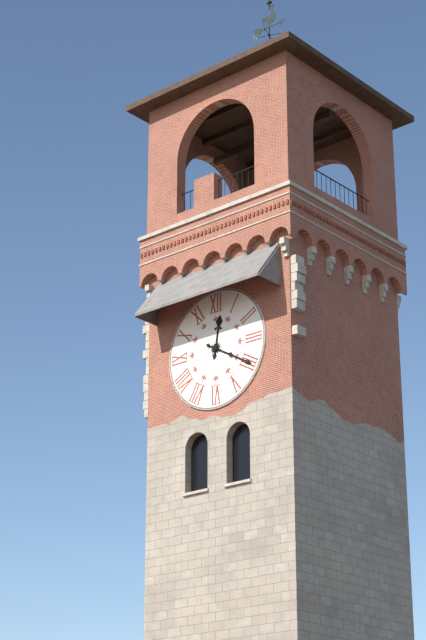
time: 12:20
